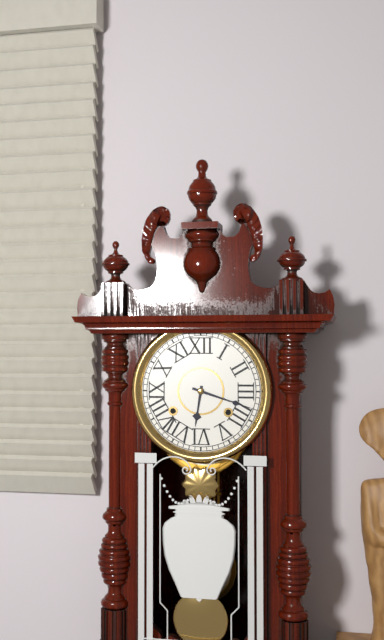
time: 6:18
